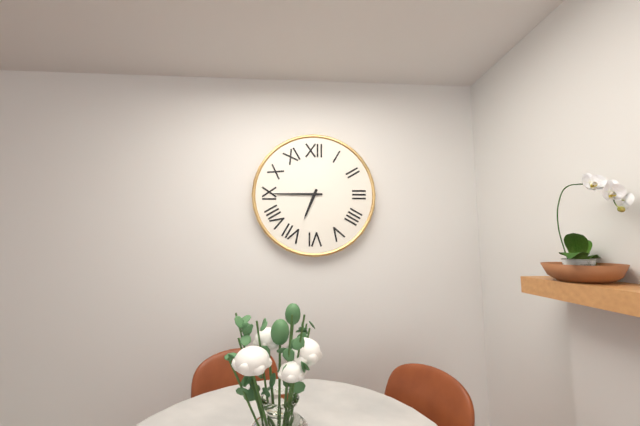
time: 6:45
